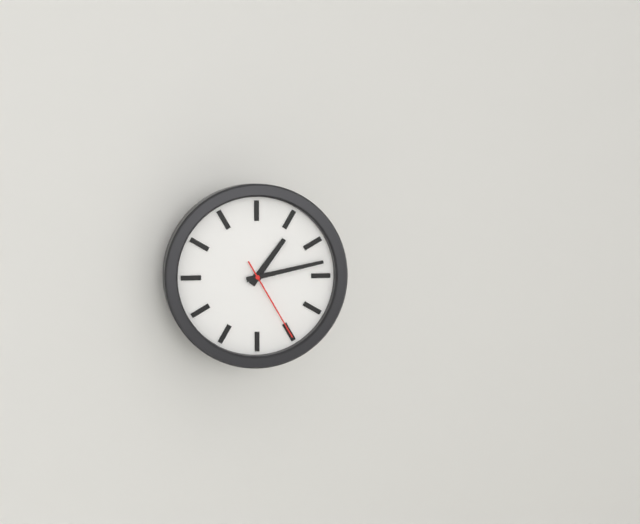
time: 1:13:25
